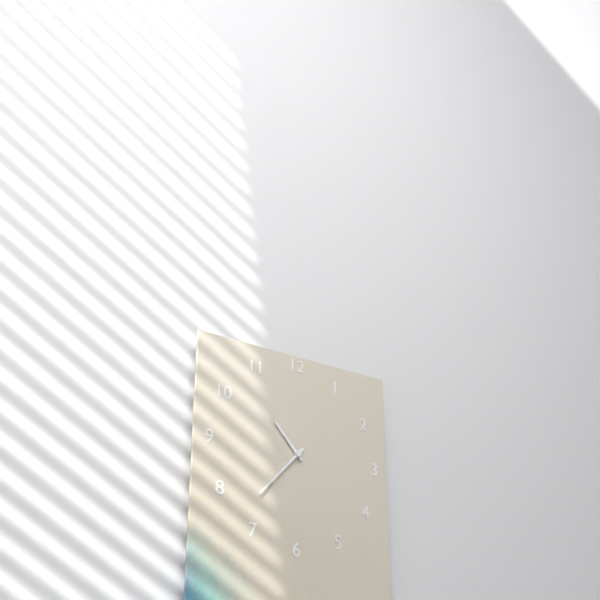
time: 10:37
